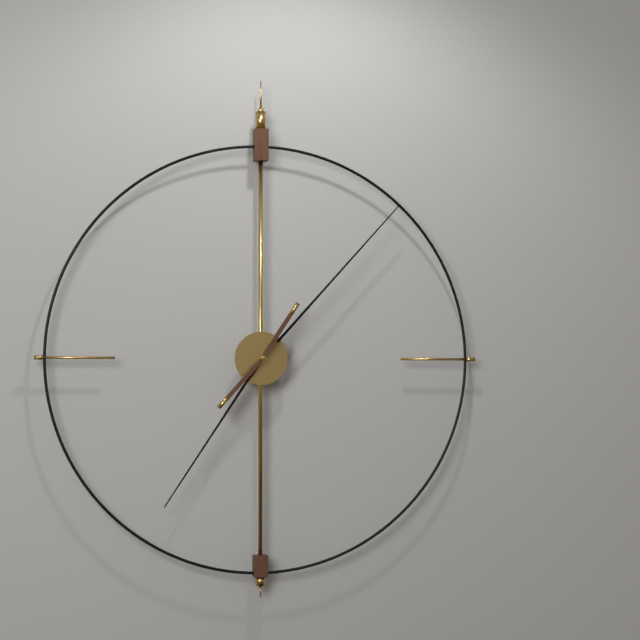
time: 7:07
